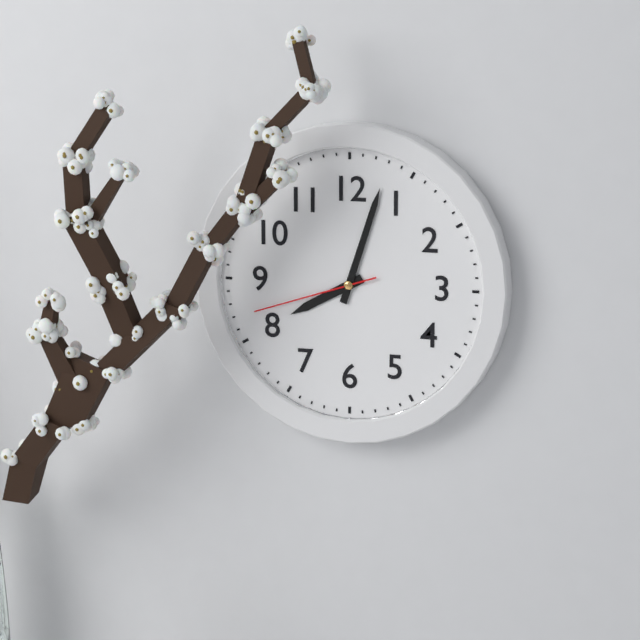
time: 8:03:42
